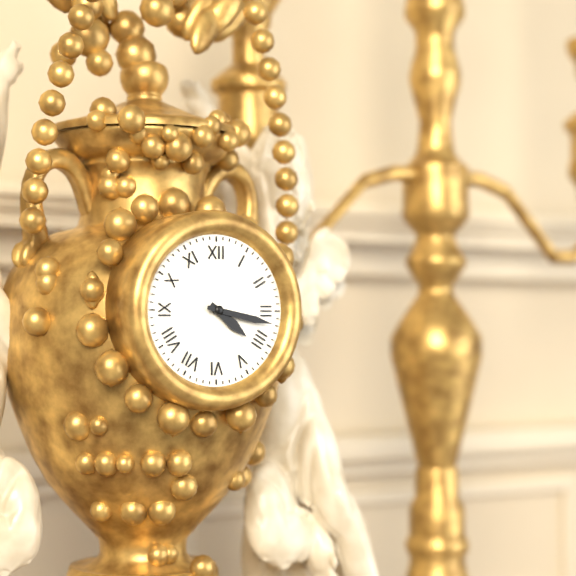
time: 4:17
